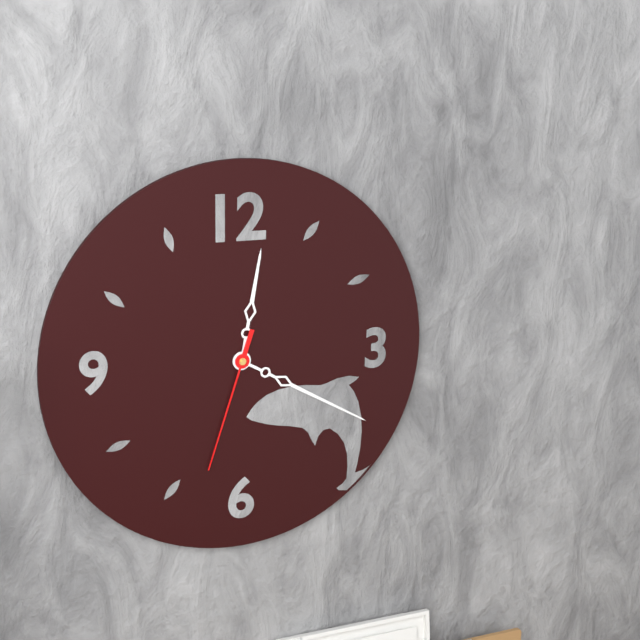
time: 12:20:33
